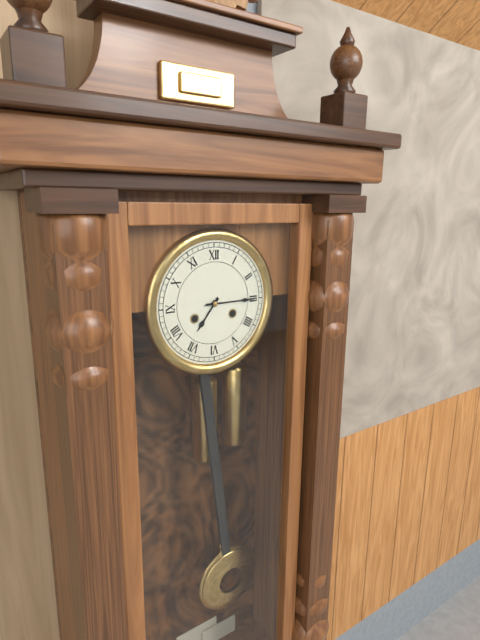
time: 7:15
